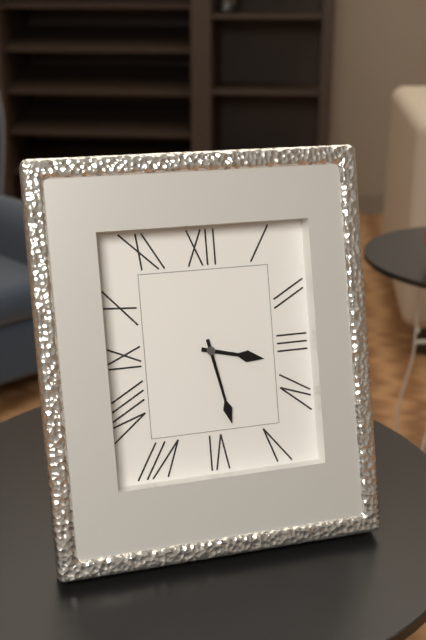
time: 3:28
